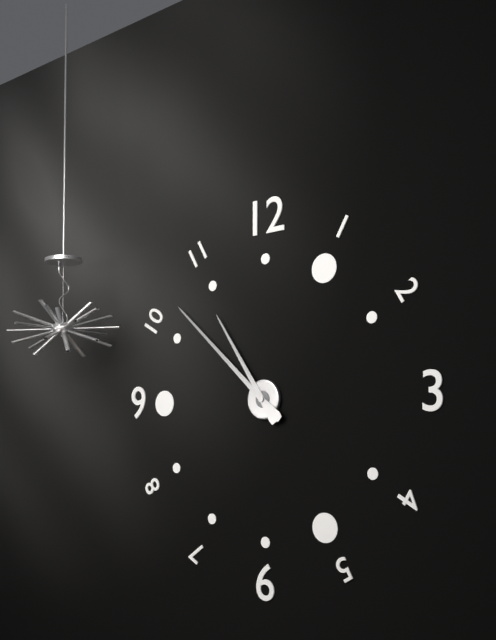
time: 10:52
